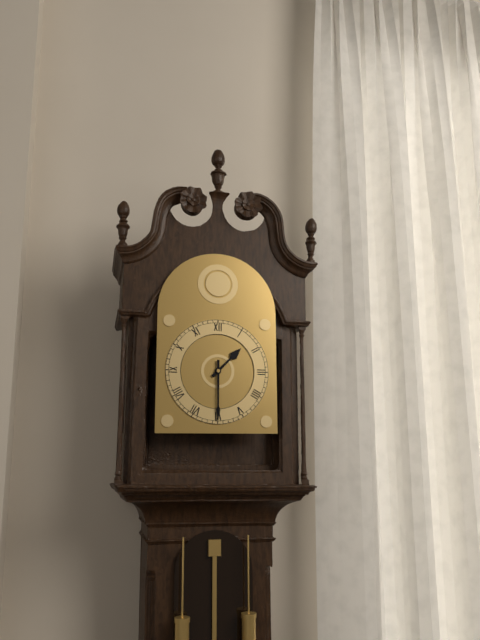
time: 1:30
